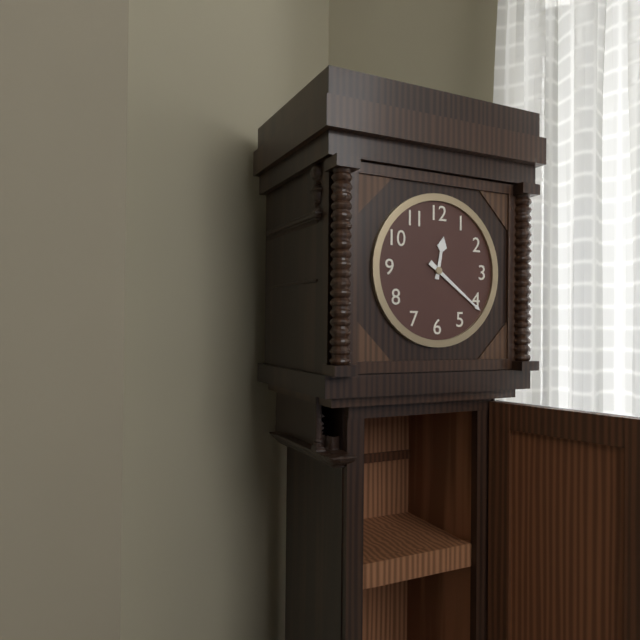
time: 12:21
